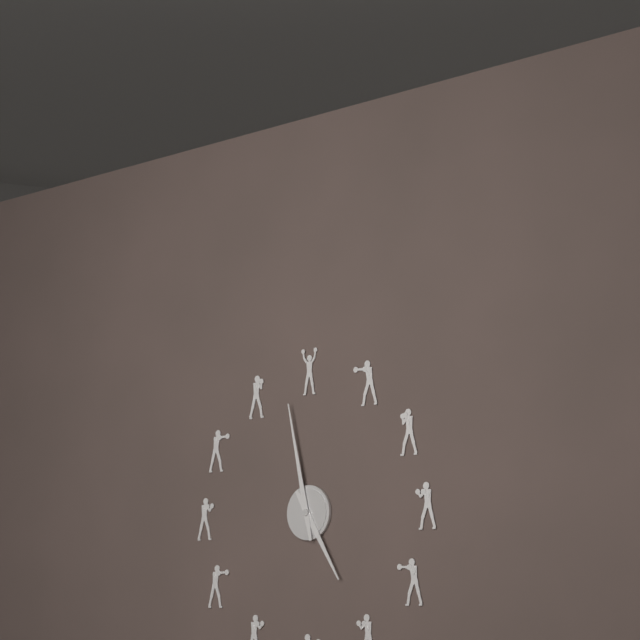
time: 4:58
